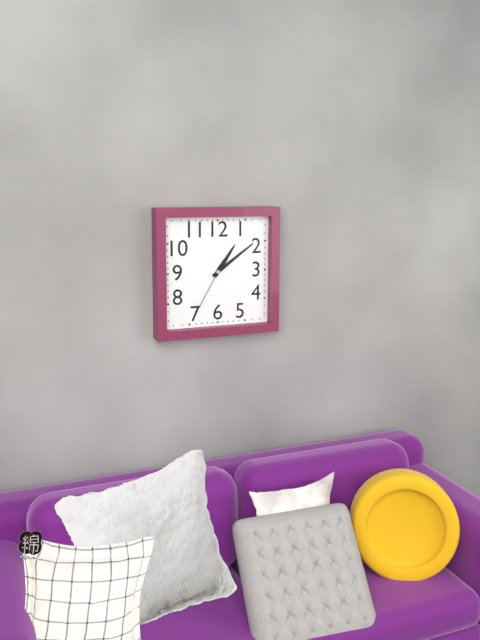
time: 1:09:35
